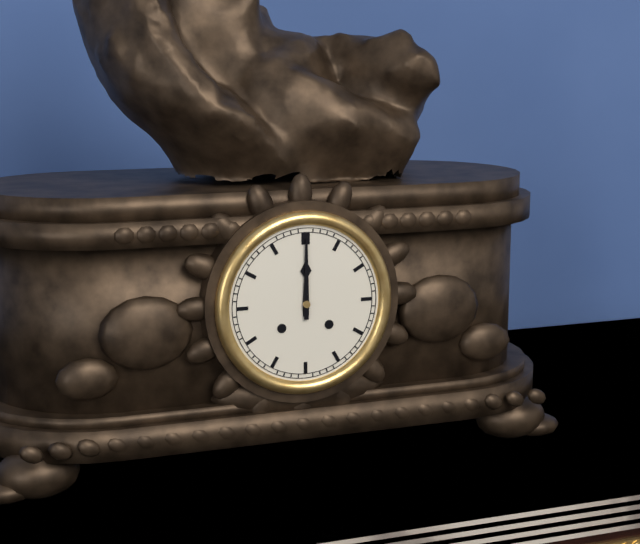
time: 12:00
